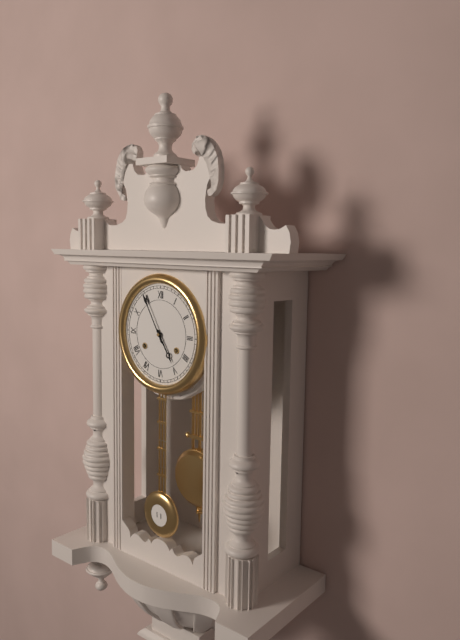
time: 4:55
